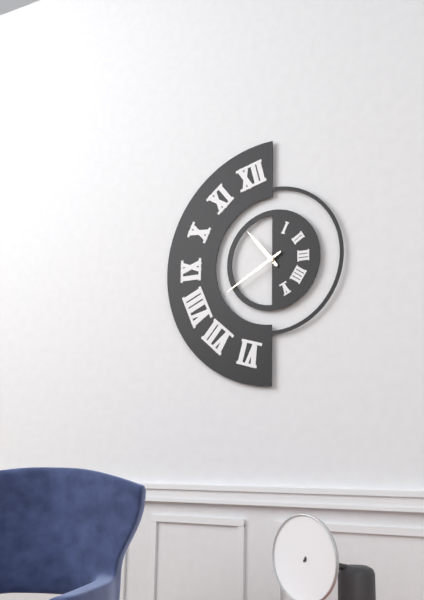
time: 10:40
